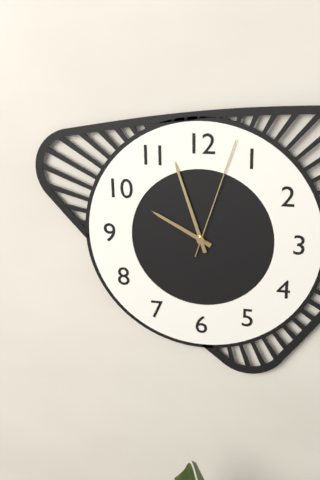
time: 9:57:03
